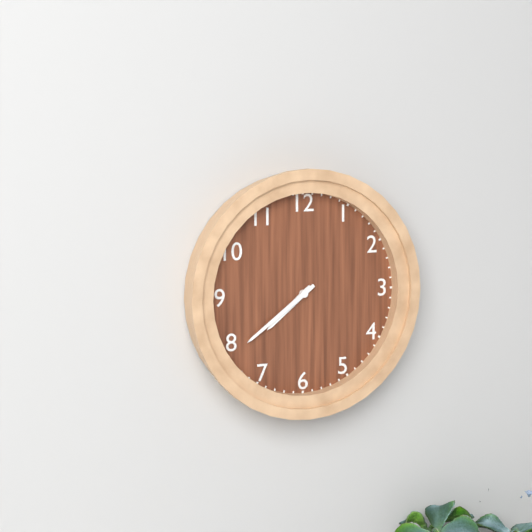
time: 7:39
